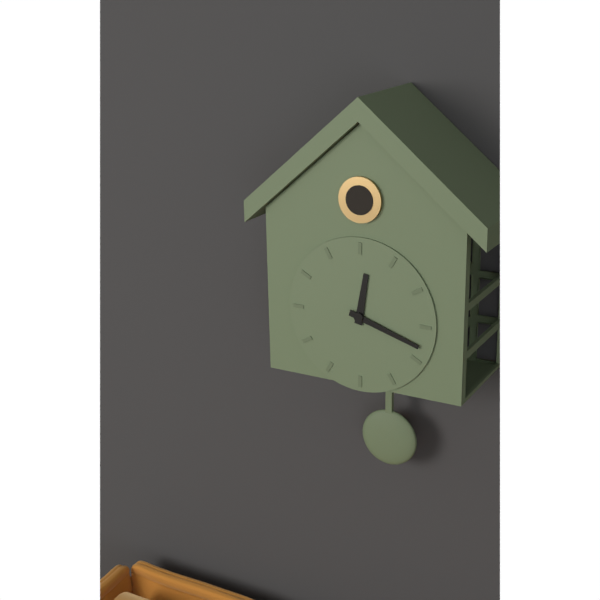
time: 12:18
